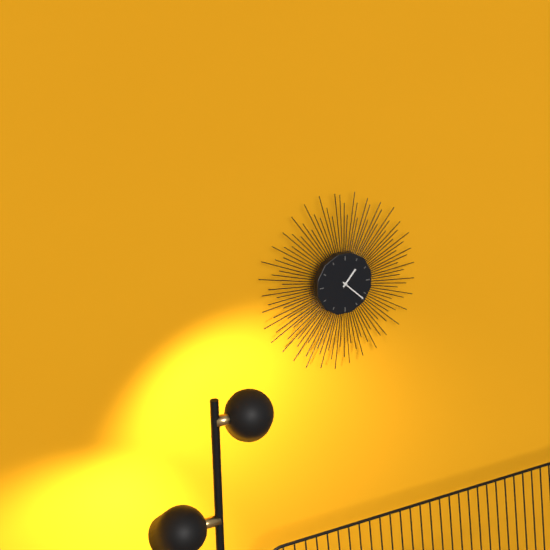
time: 1:22
